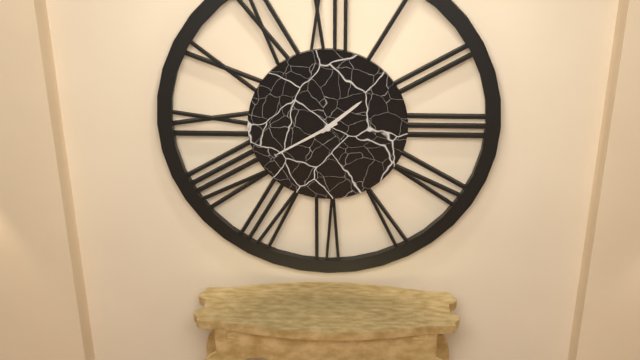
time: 1:40
